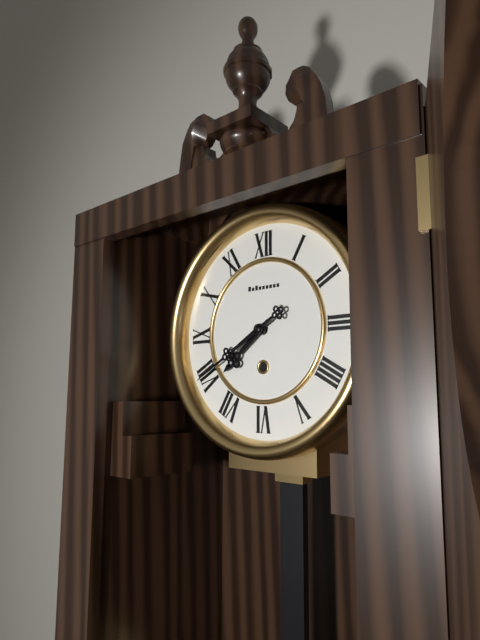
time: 7:40
